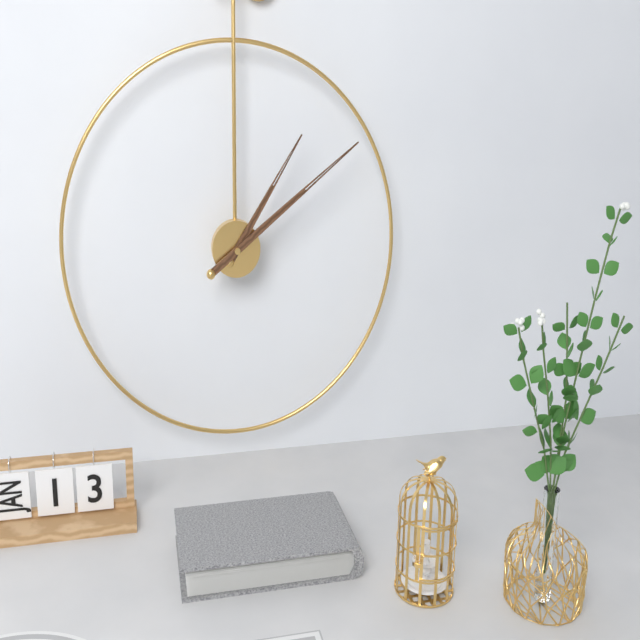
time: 1:09
